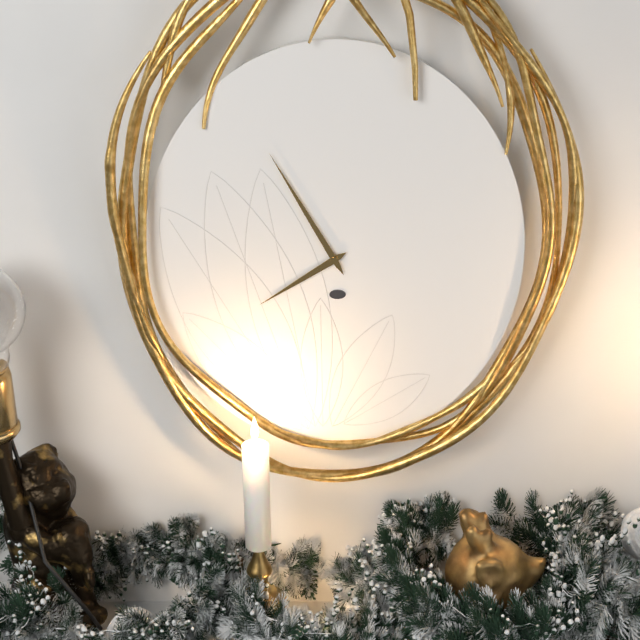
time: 7:55
